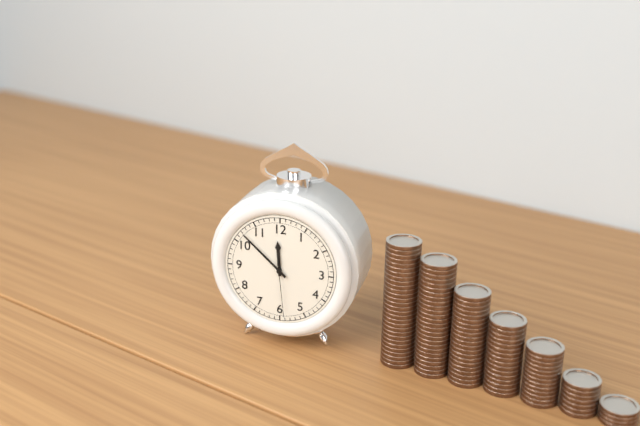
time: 11:52:29
